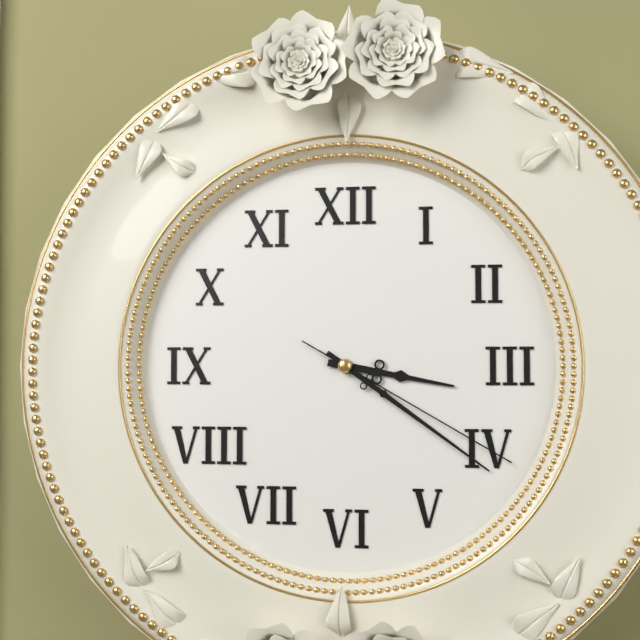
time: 3:21:20
